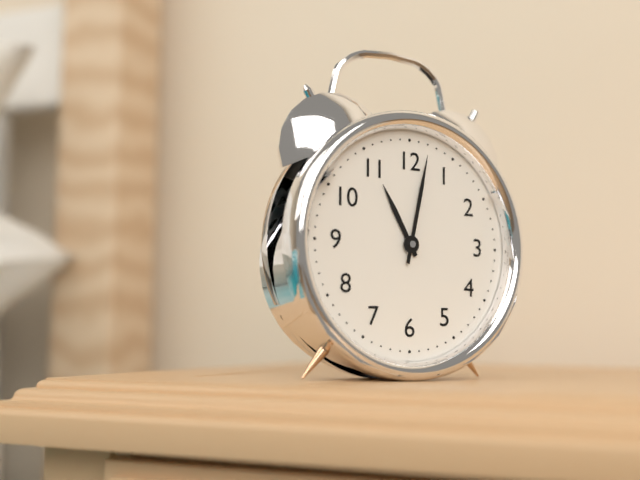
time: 11:02
